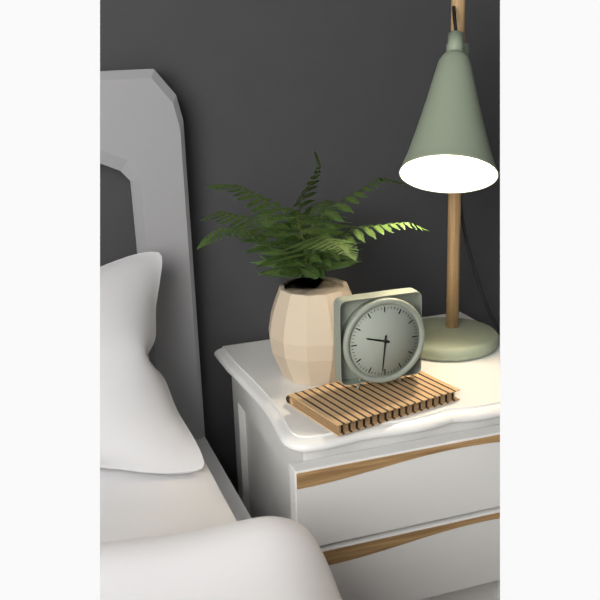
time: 9:31
